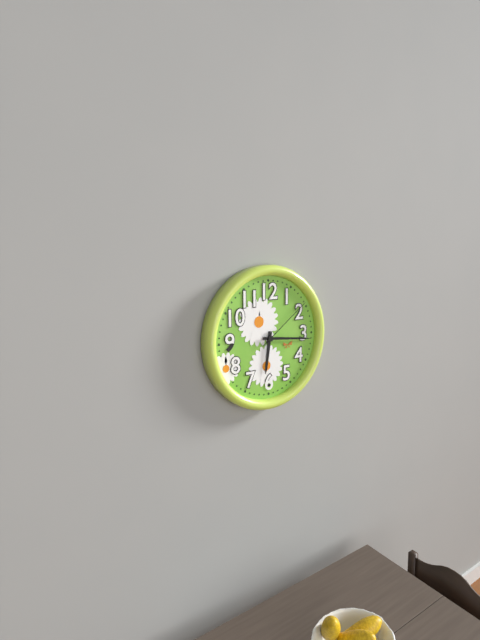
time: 6:16:09
